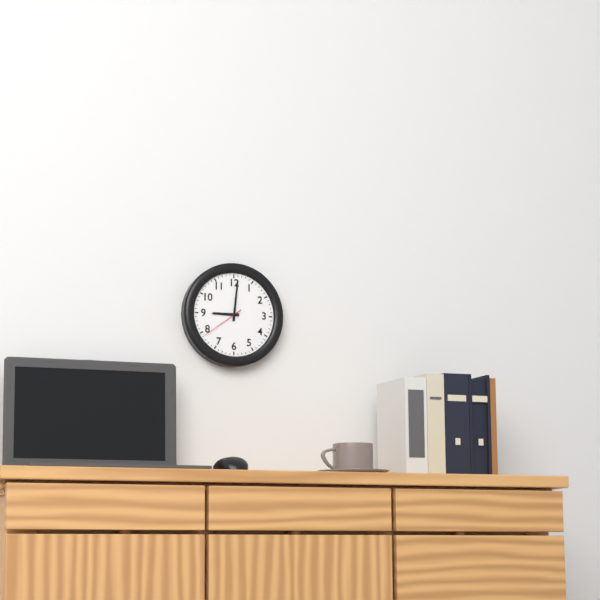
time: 9:01
